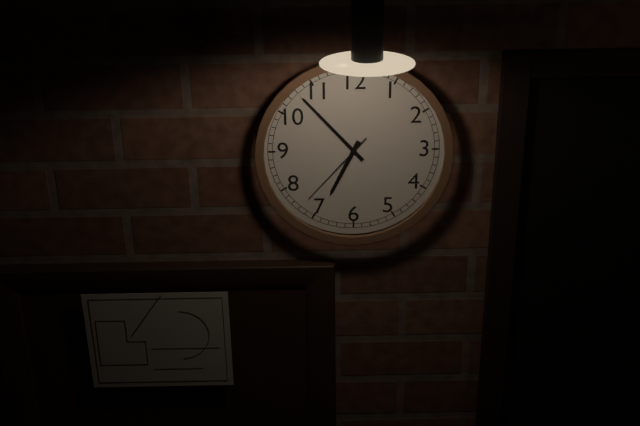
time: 6:53:37
